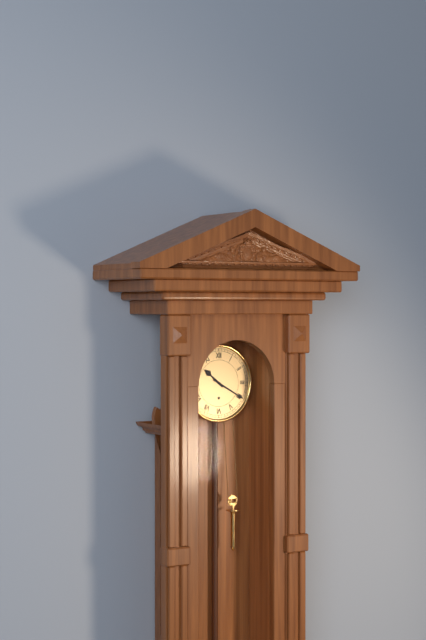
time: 10:20
